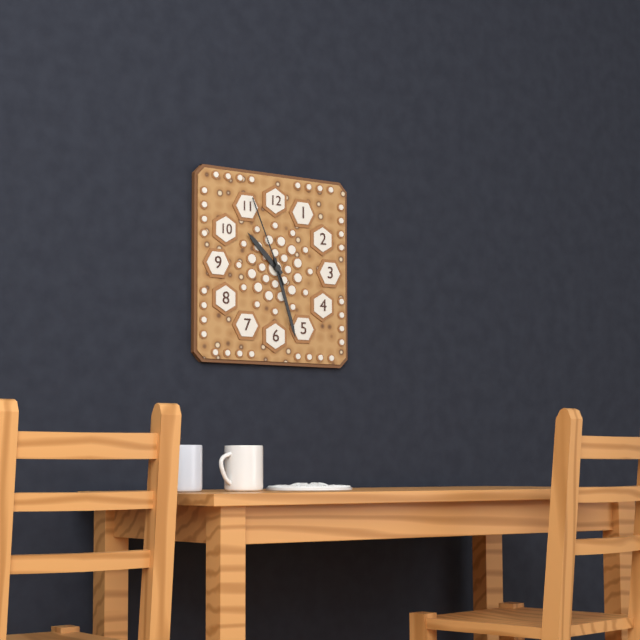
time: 10:27:56
